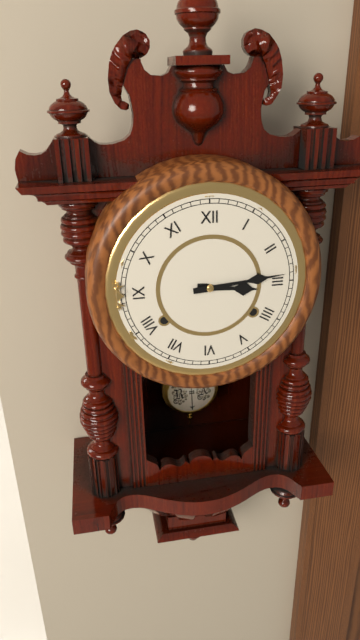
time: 3:14
